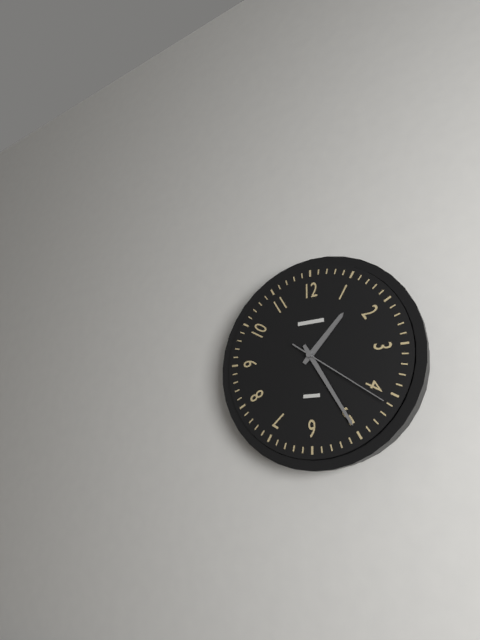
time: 1:25:21
